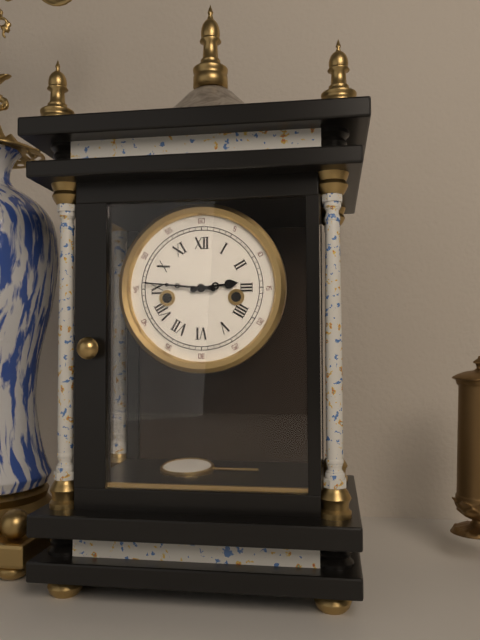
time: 2:46
